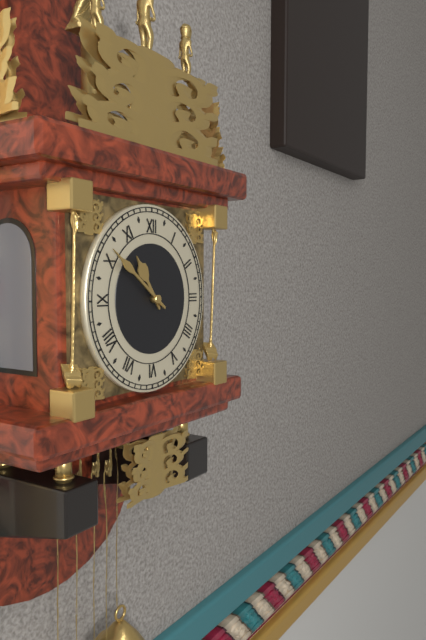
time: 10:51
